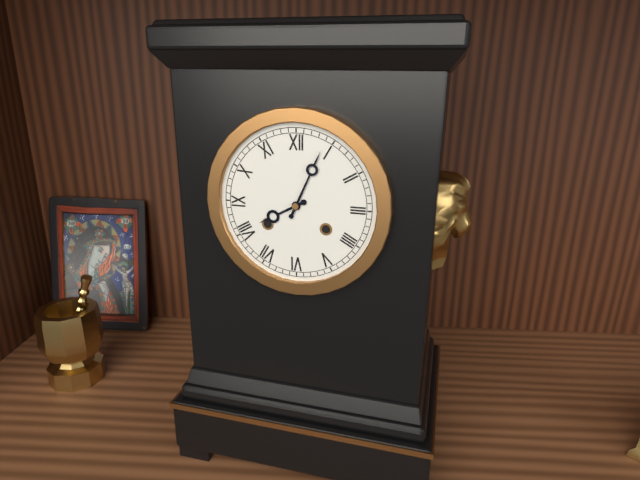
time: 8:04
